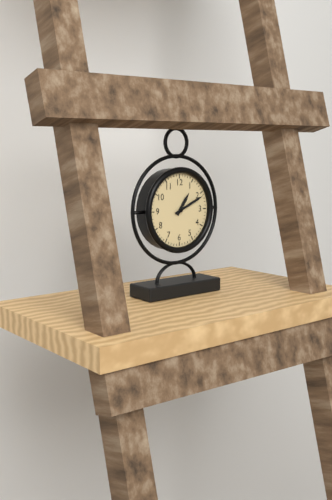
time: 1:11
